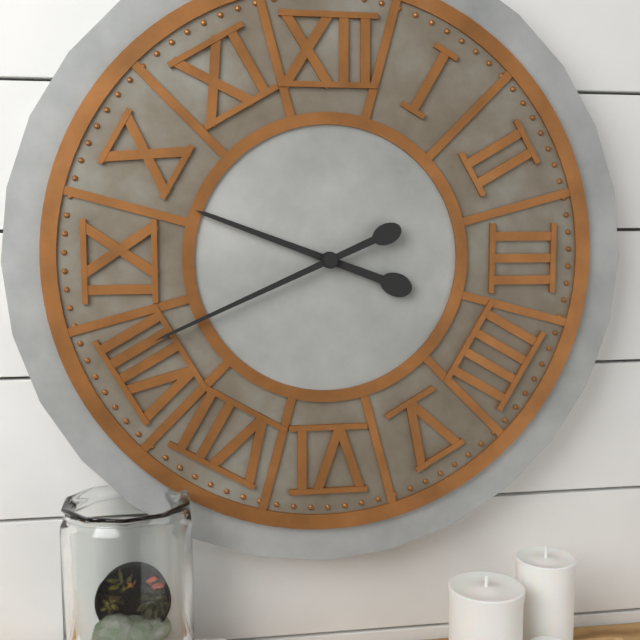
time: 9:41
